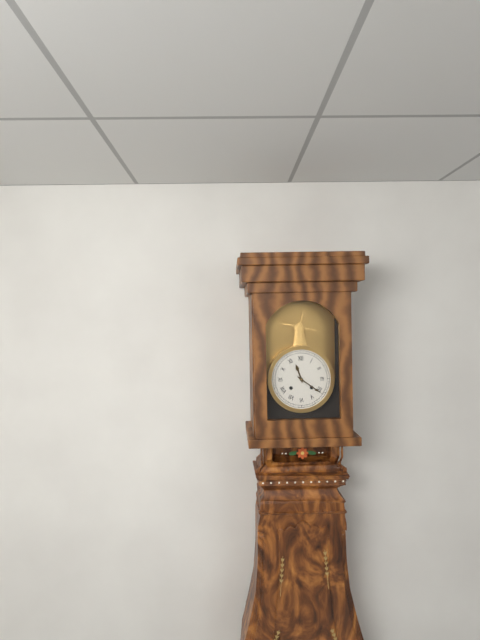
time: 11:21
